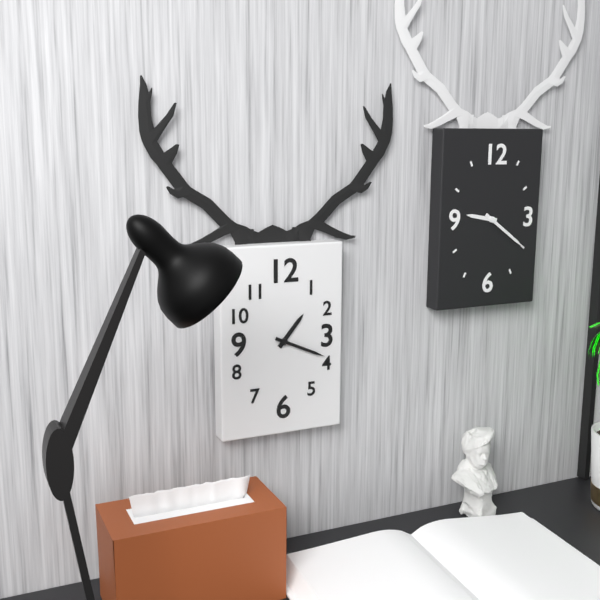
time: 1:19
